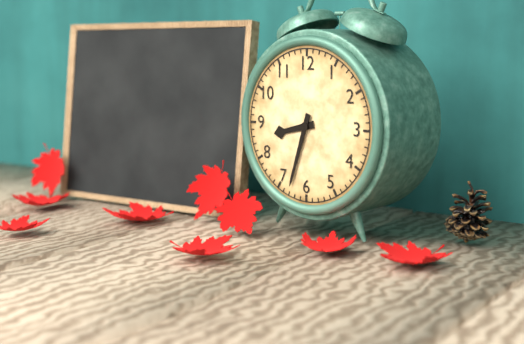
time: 8:33
